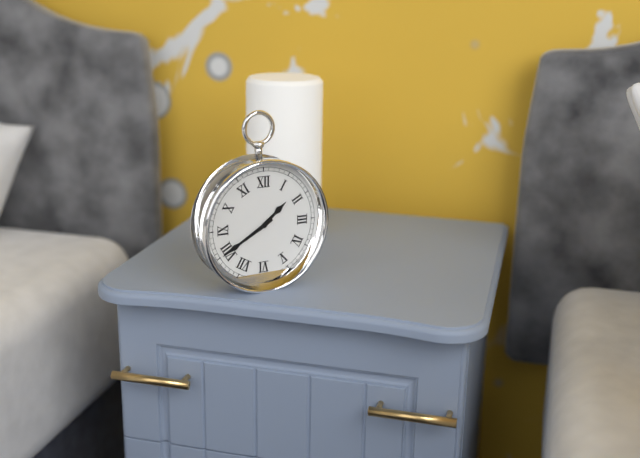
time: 1:40
